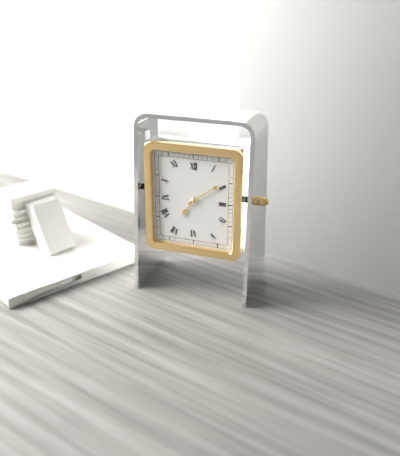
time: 7:09
